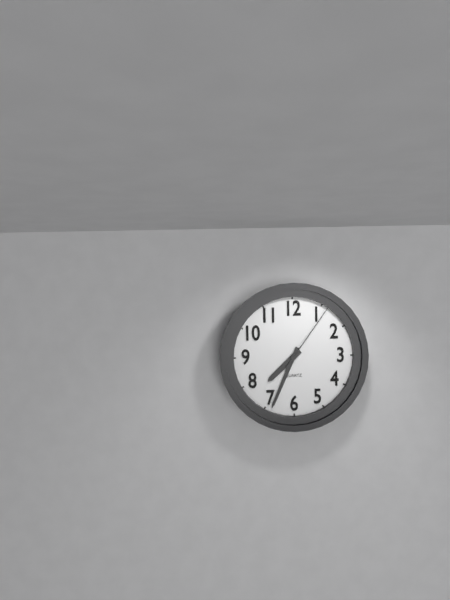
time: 7:34:06
